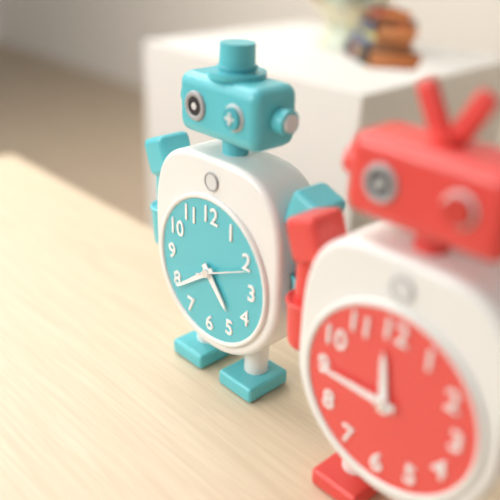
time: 4:39:11
